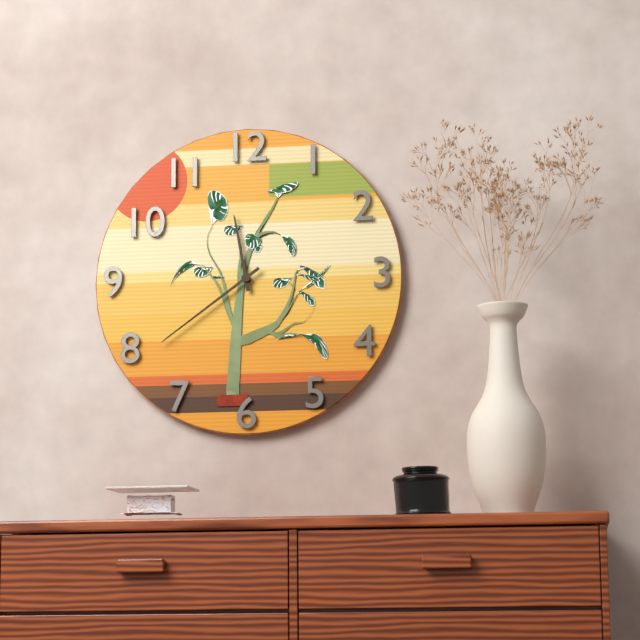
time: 11:39
